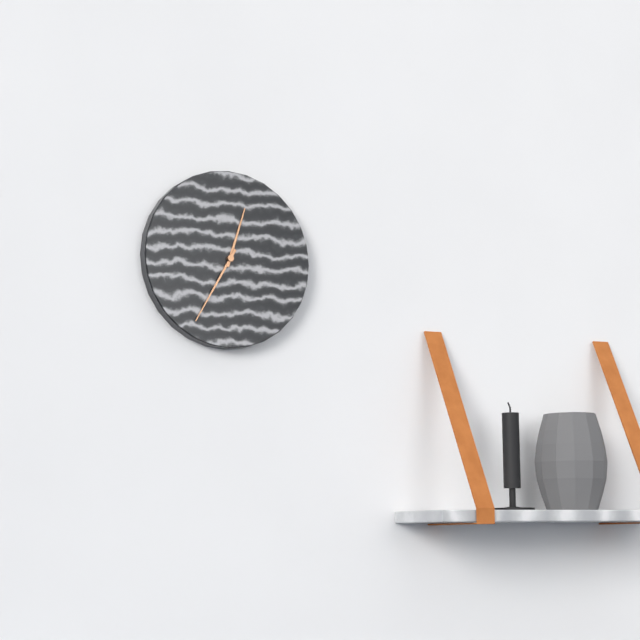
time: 12:35
